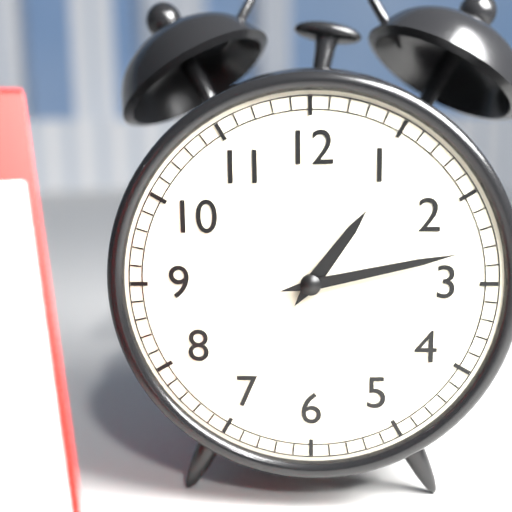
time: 1:13
